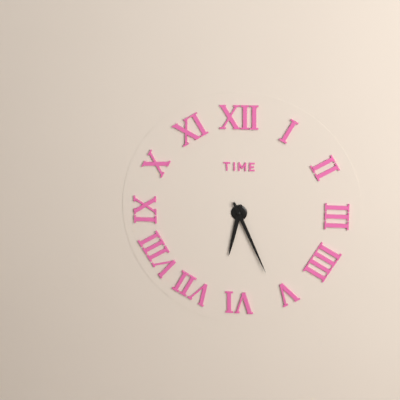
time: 6:26
